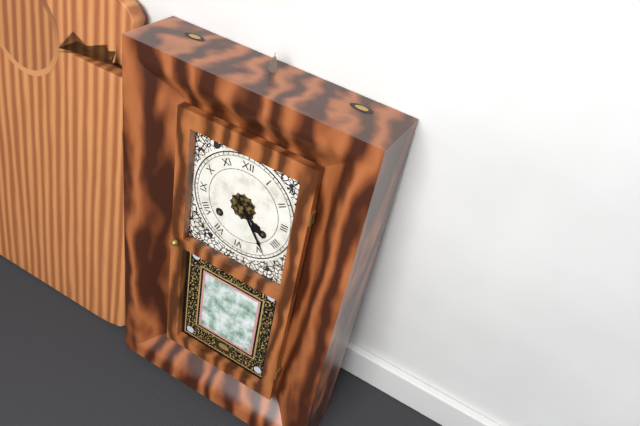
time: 4:24
